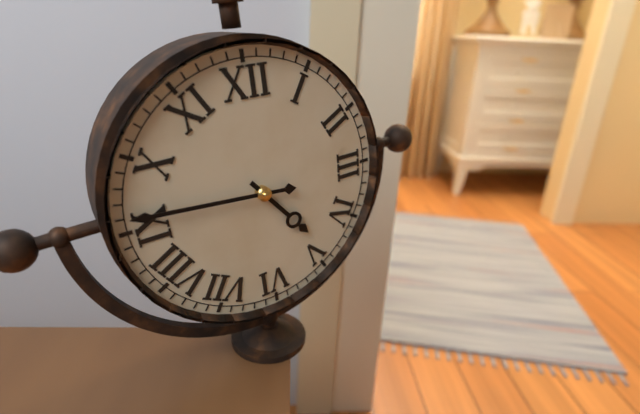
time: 4:46
